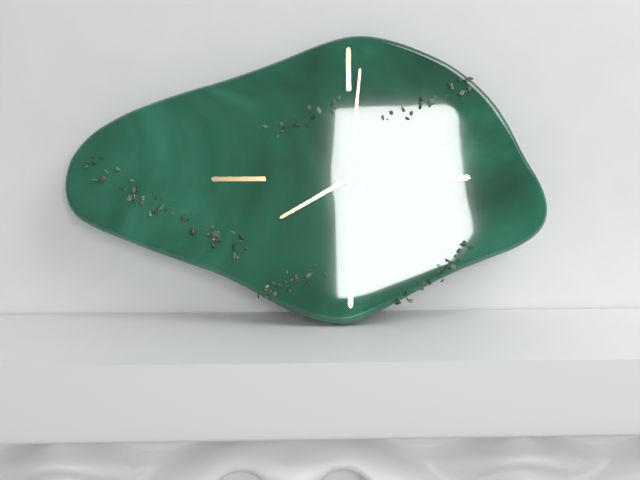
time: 8:01
